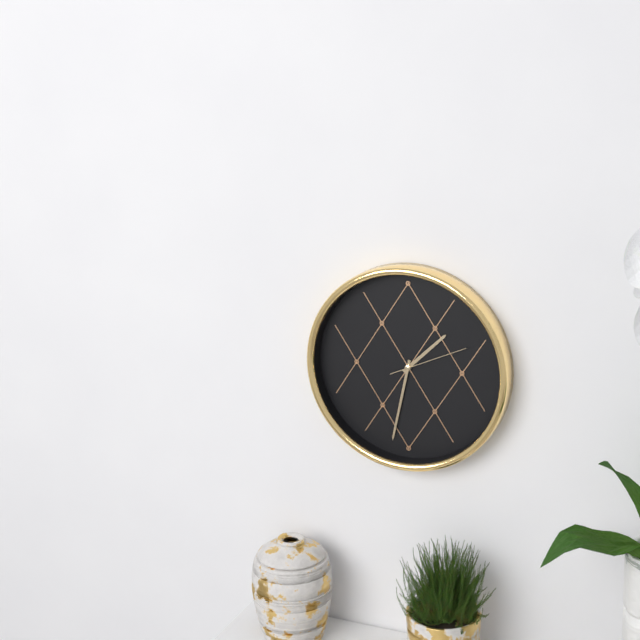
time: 1:32:11
